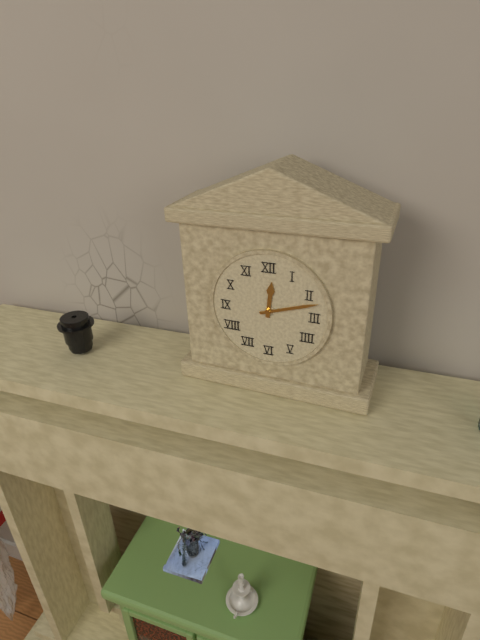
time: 12:12
